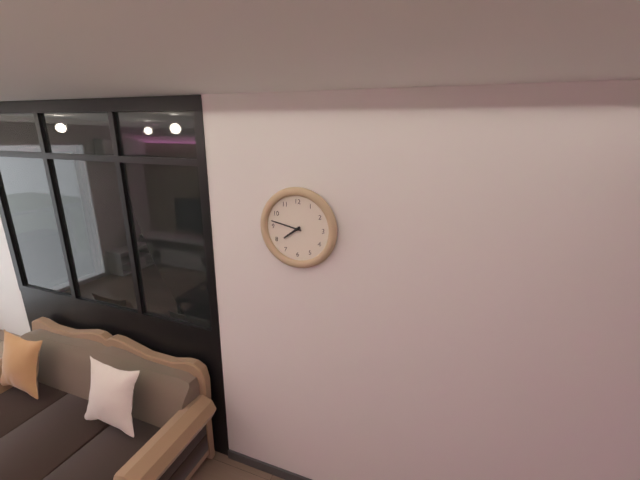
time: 7:47
